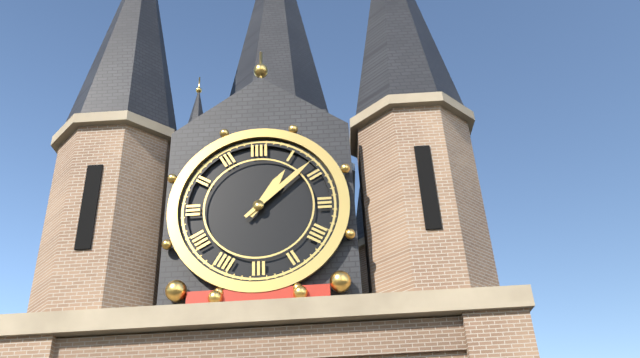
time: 1:08
